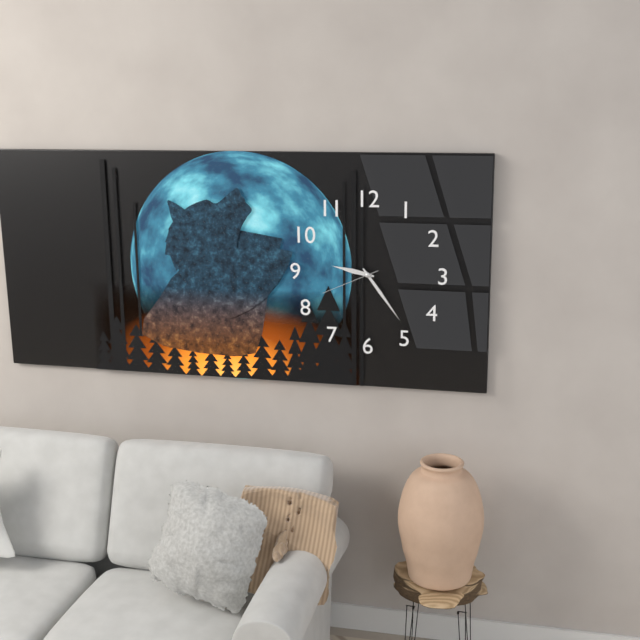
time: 9:24:41
